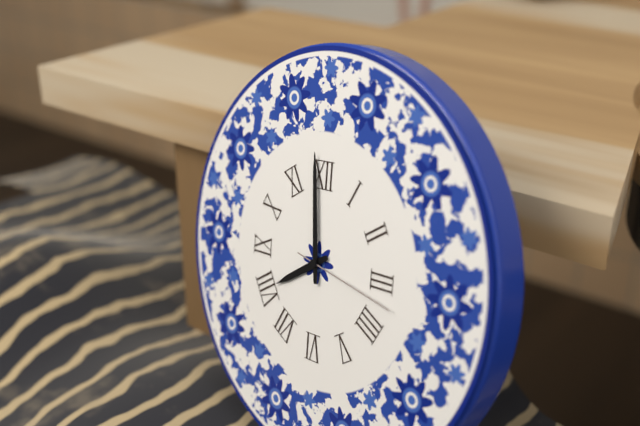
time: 7:59:17
